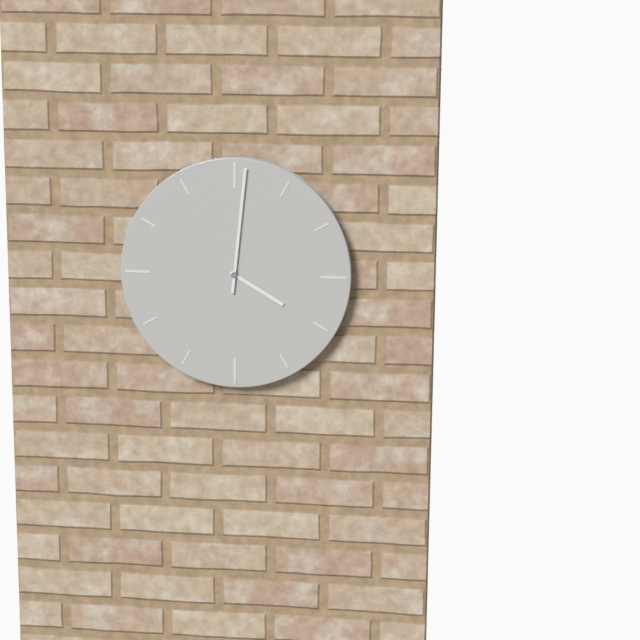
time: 4:01
